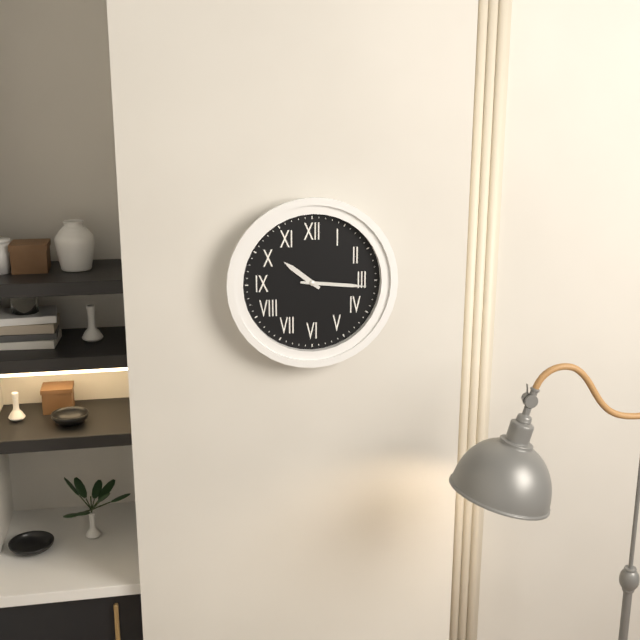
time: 10:16
